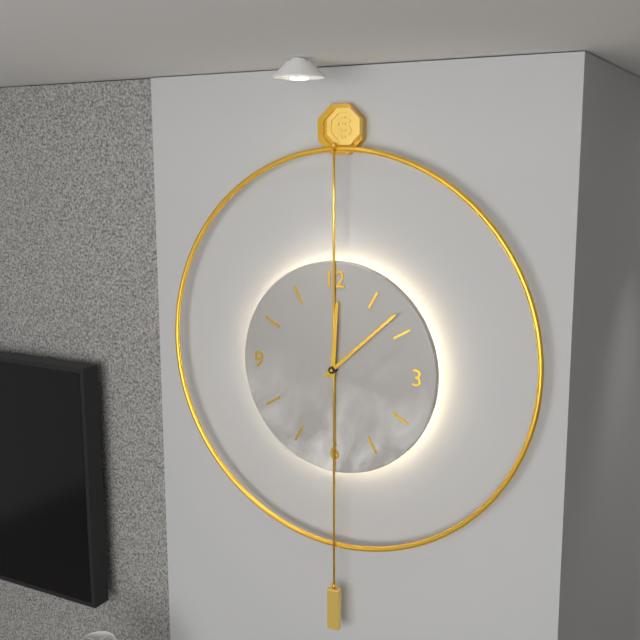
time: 12:08
